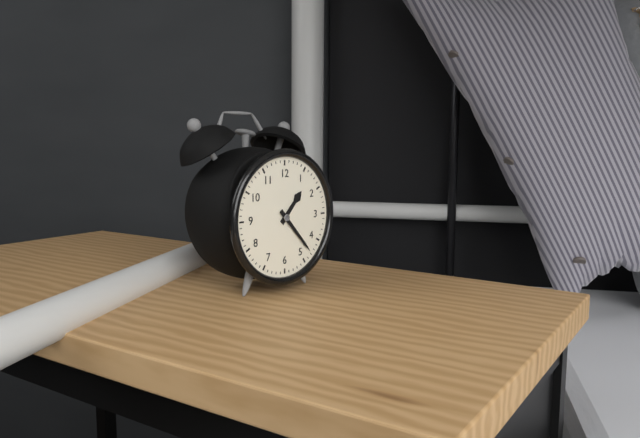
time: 1:23
